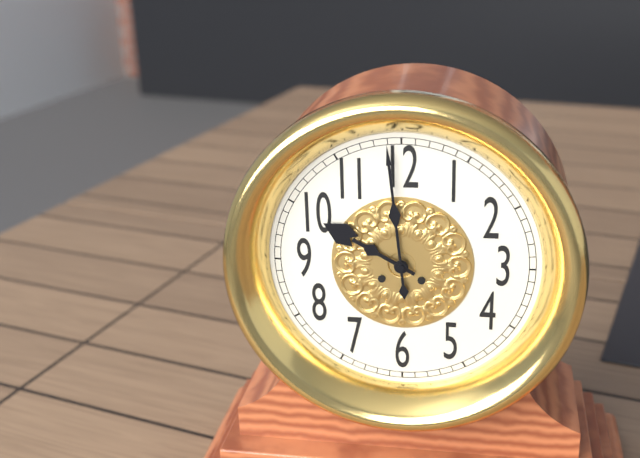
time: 9:59
